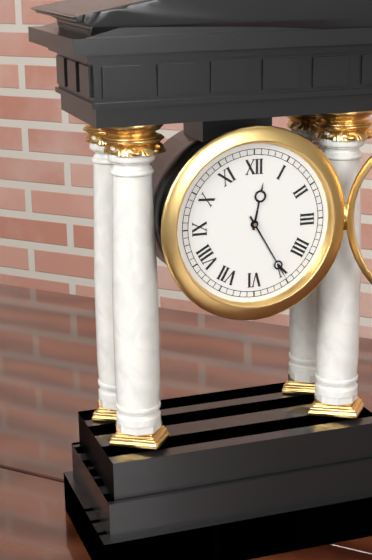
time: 12:25
